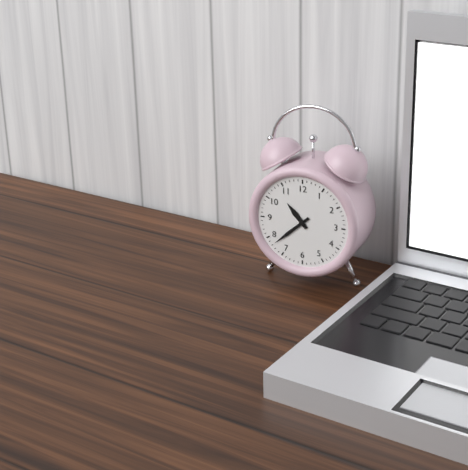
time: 10:38
